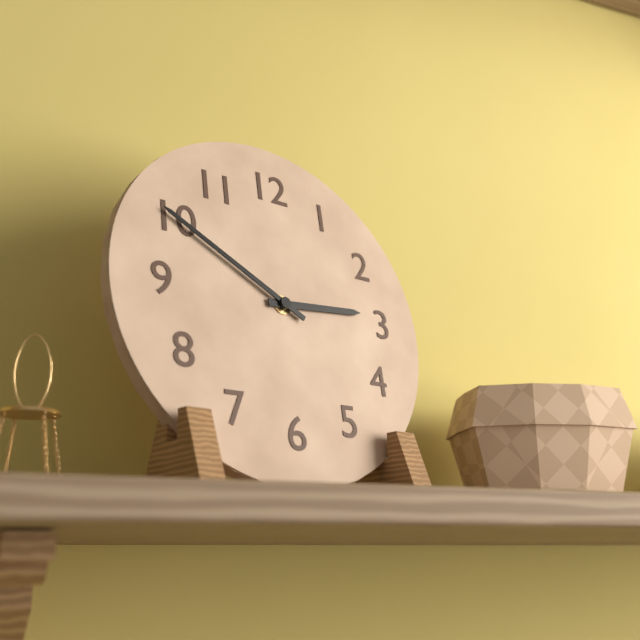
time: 2:50
